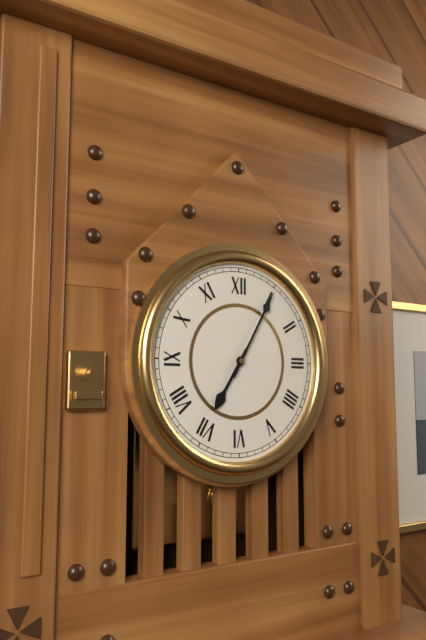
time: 7:05
